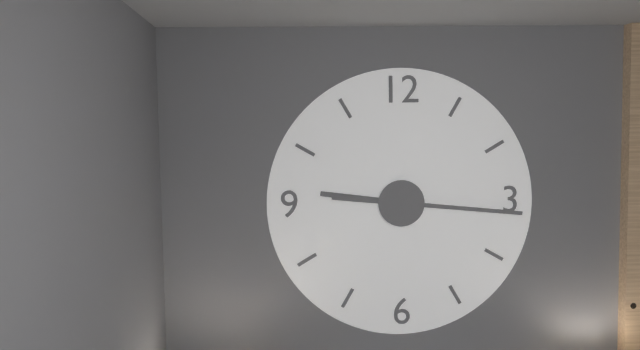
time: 9:16
